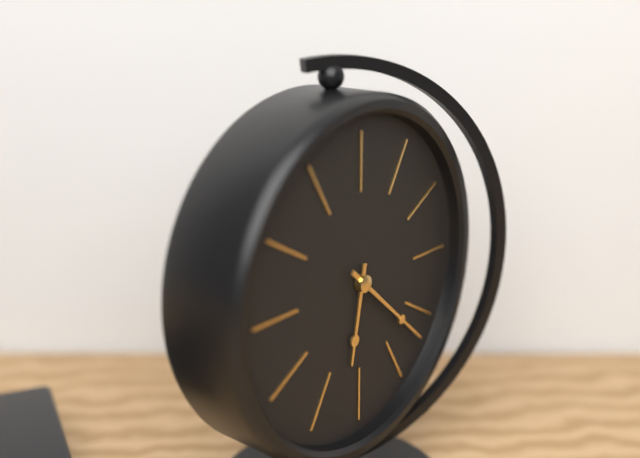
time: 6:22
